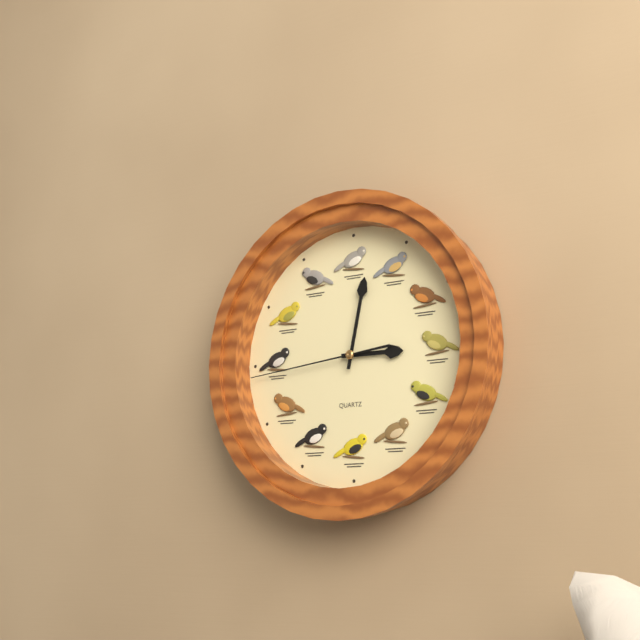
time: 3:02:44
